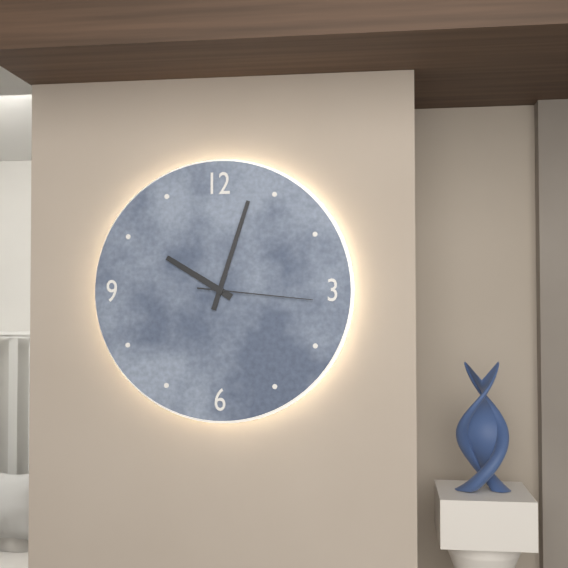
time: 10:03:16
